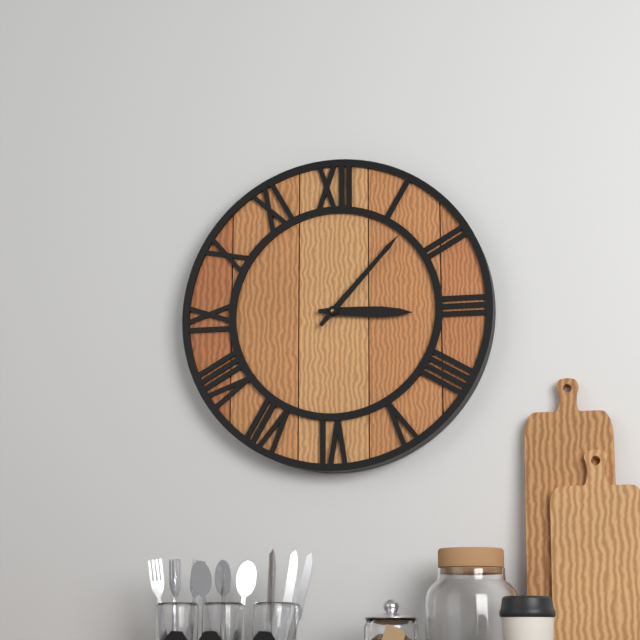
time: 3:07
